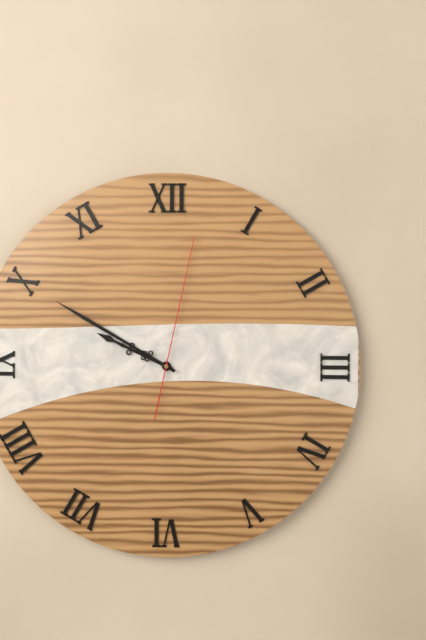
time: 9:50:02
